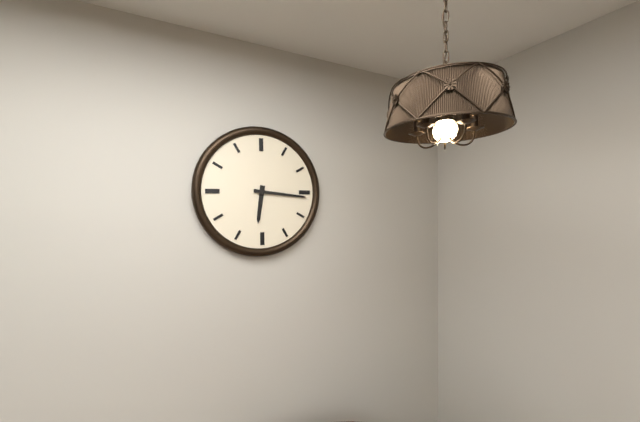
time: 6:16
